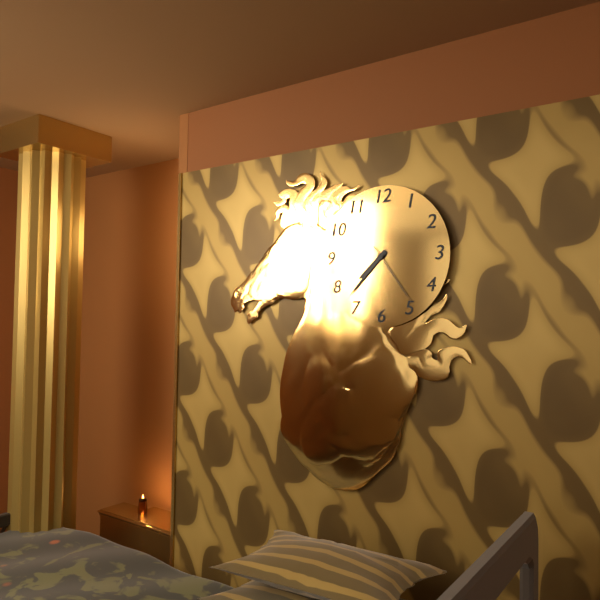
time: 7:37:24
